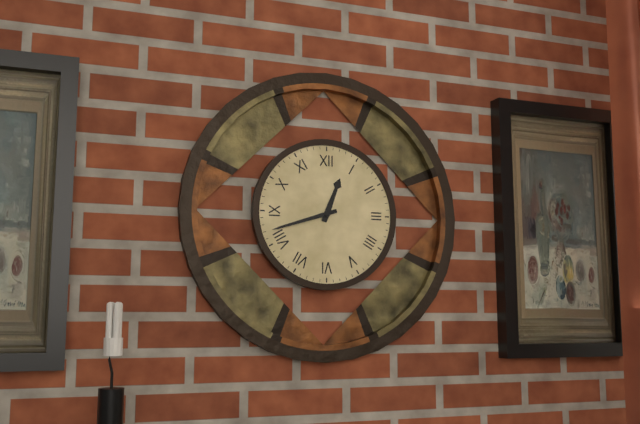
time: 12:42
